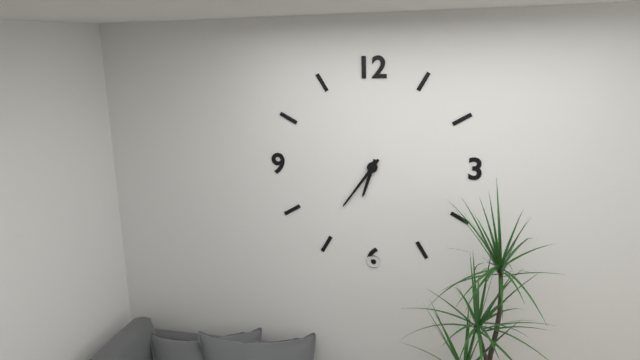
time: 6:36
